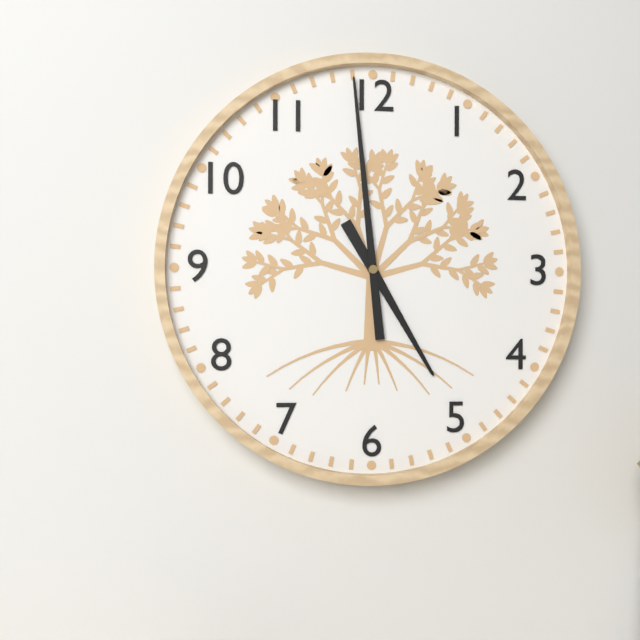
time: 4:59
